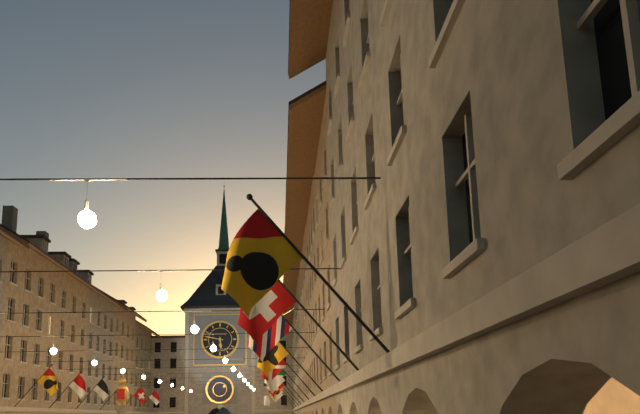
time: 5:47
